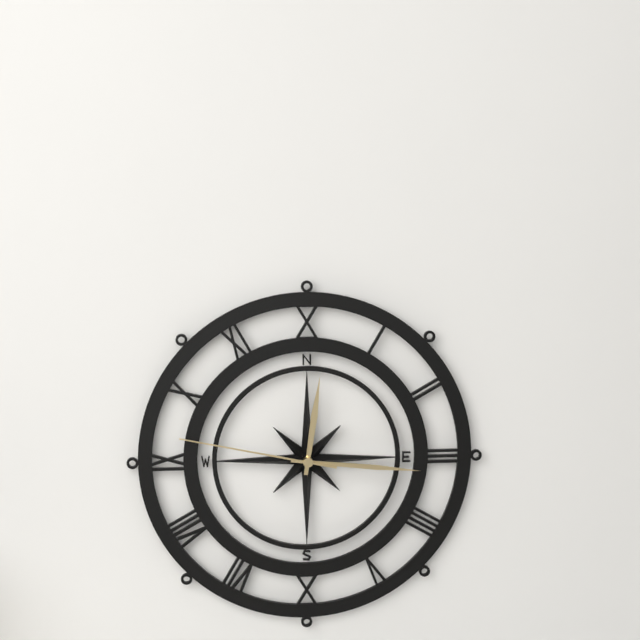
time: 12:16:47
